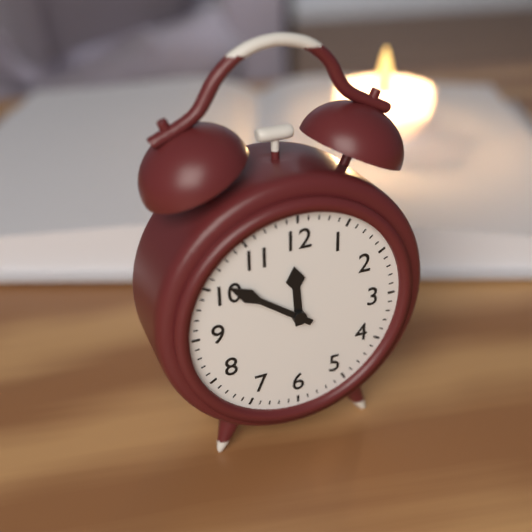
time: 11:51
